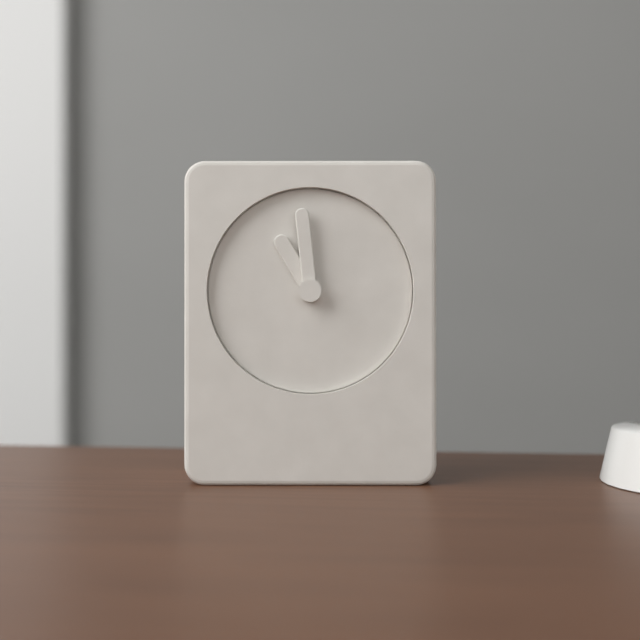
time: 10:59
